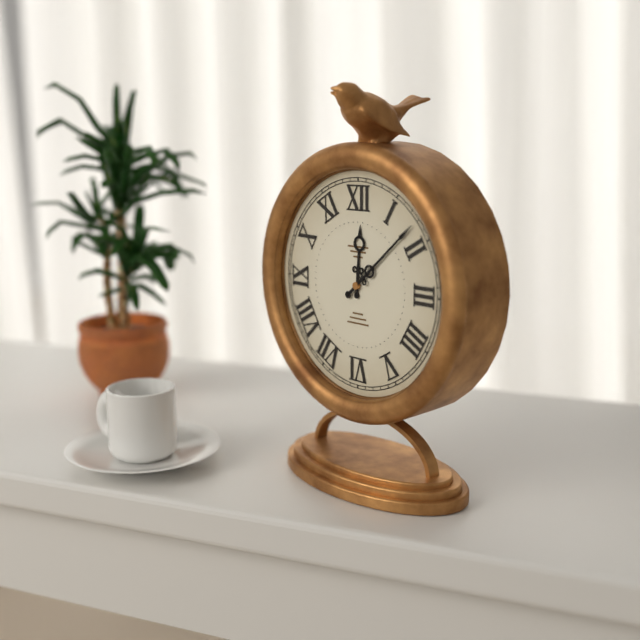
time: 12:08
